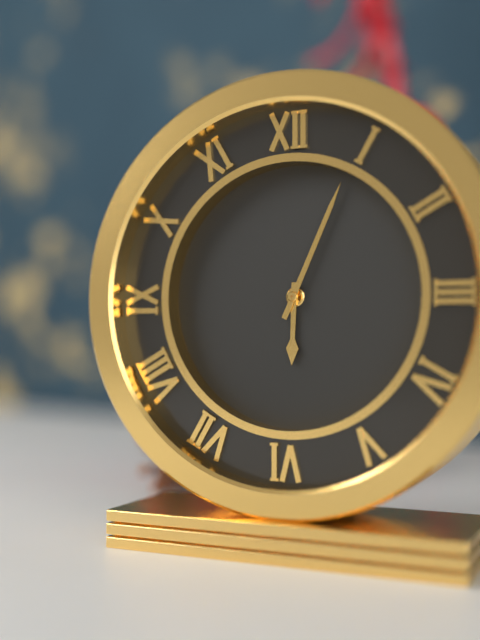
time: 6:04
